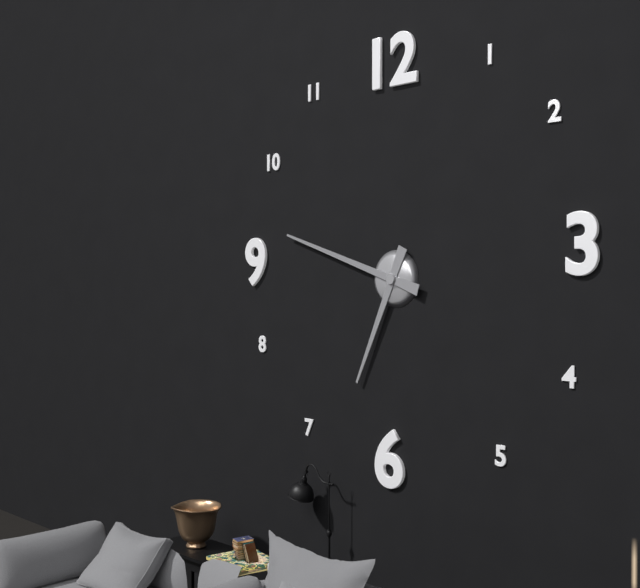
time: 6:48
